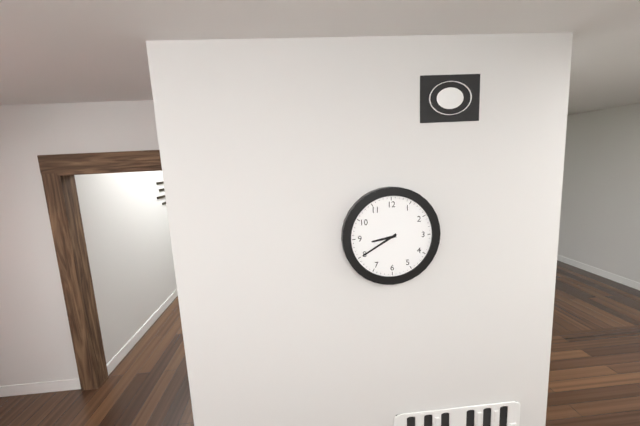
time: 8:40
